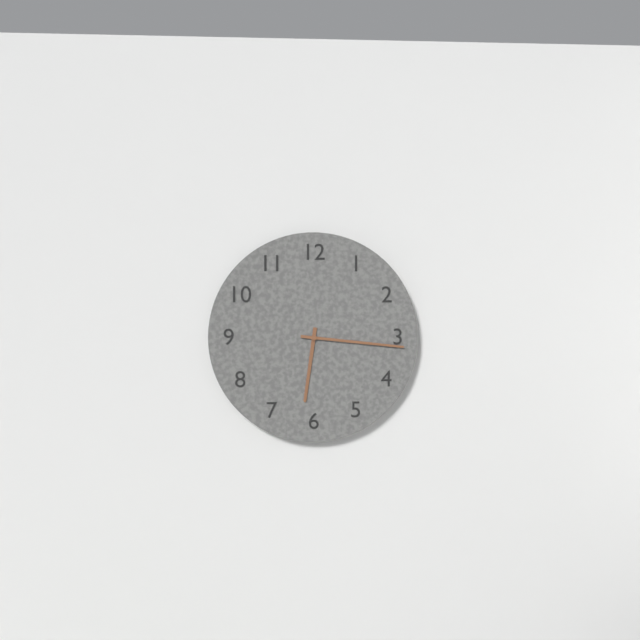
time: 6:16
